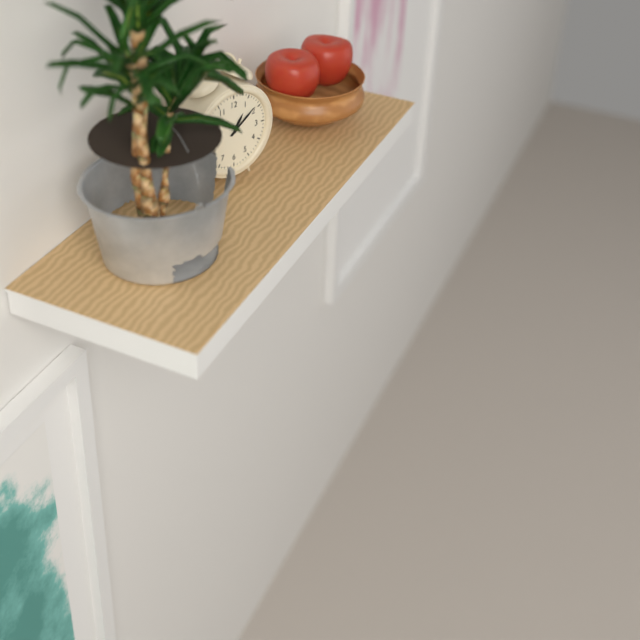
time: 1:09
